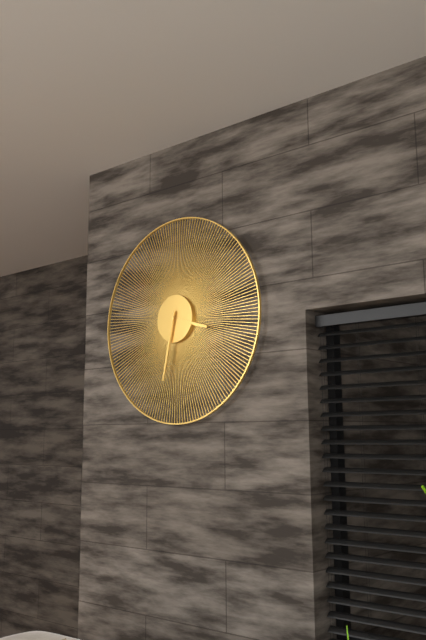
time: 3:32
